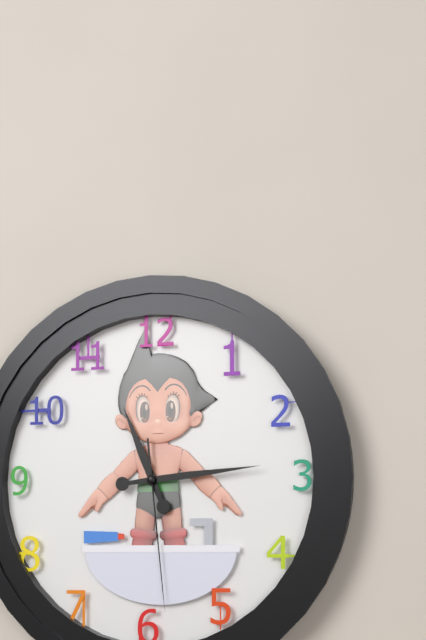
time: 11:14:29
